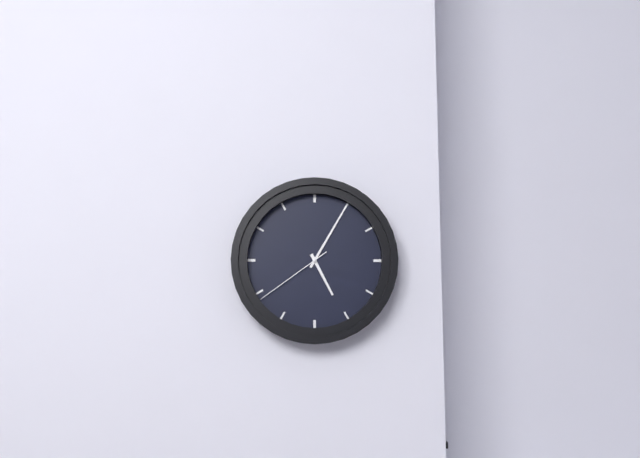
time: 5:05:39
